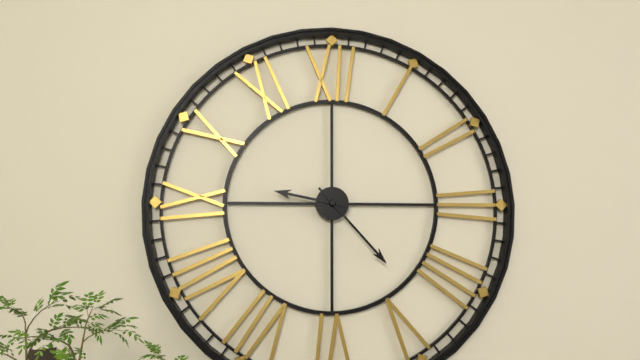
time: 9:23
